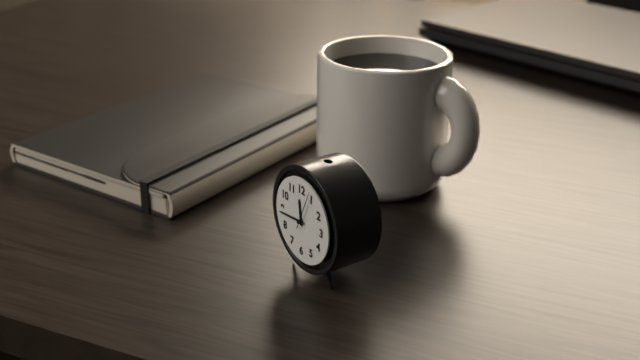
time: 11:44
